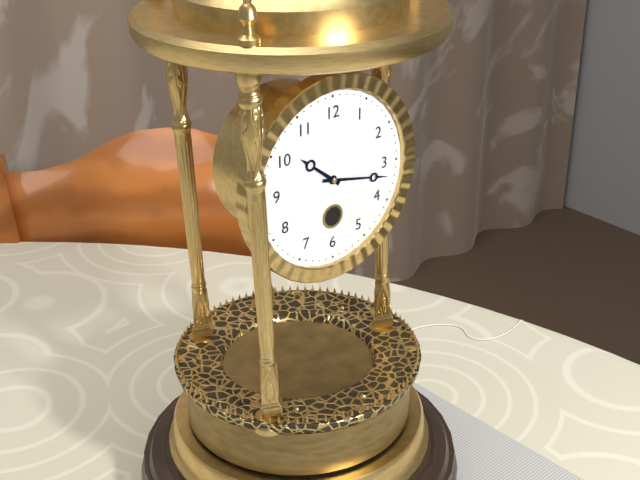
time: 10:17
